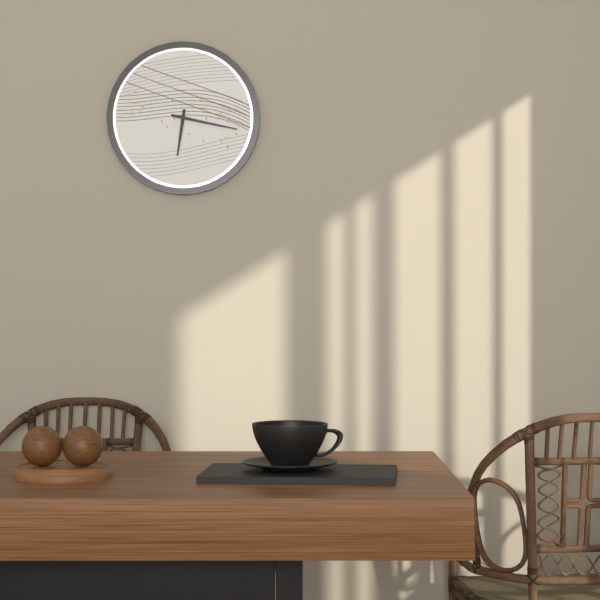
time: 6:17
